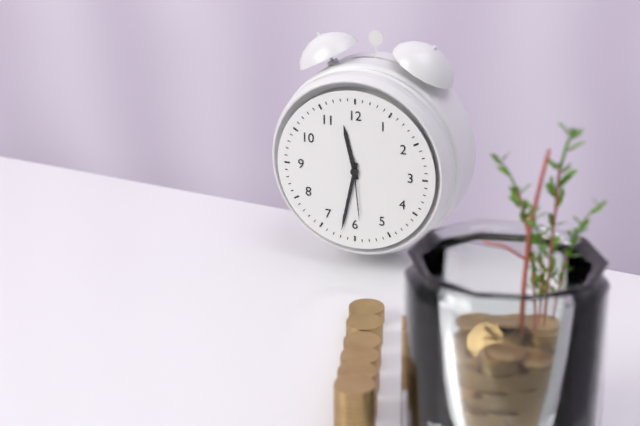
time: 11:32:29
